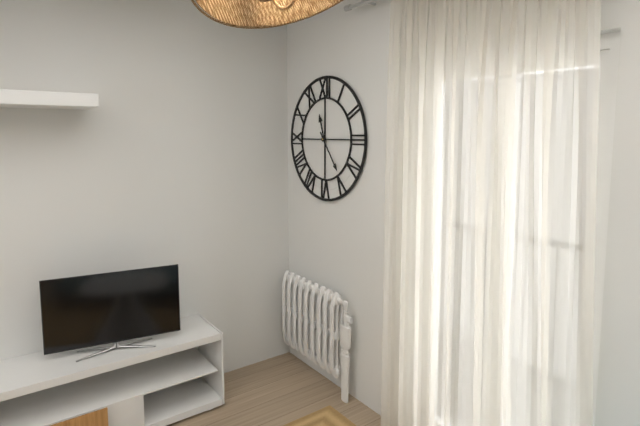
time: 11:24
